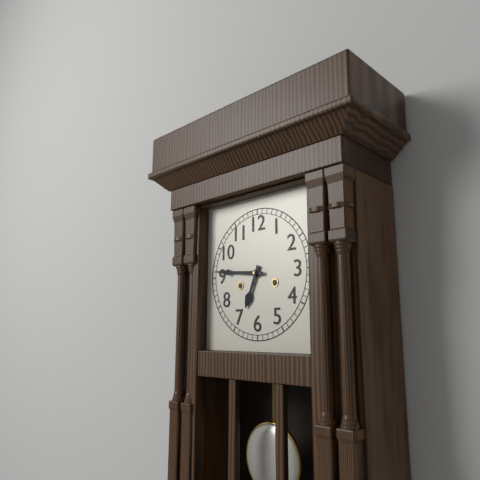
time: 6:46
